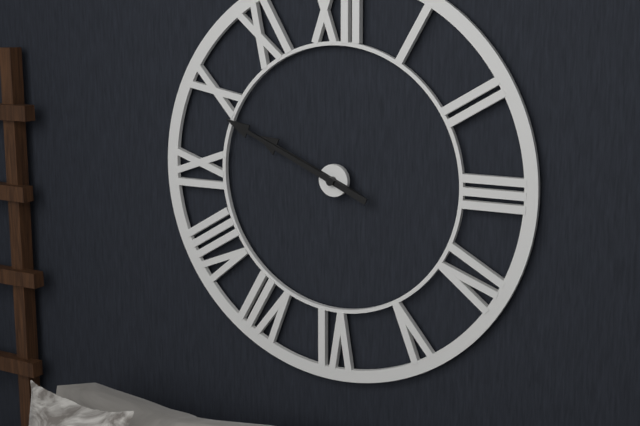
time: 9:49
